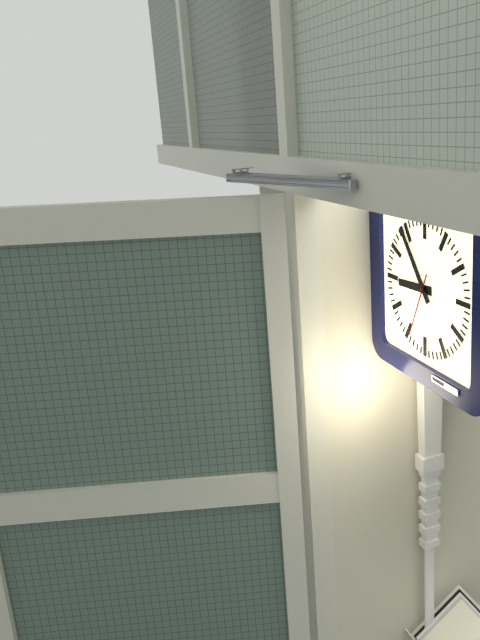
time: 8:54:34
